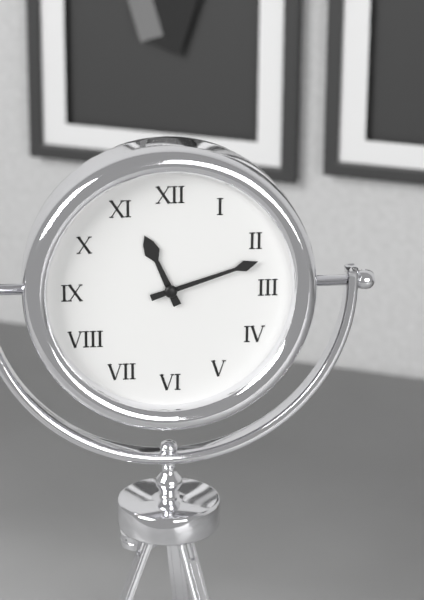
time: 11:12
